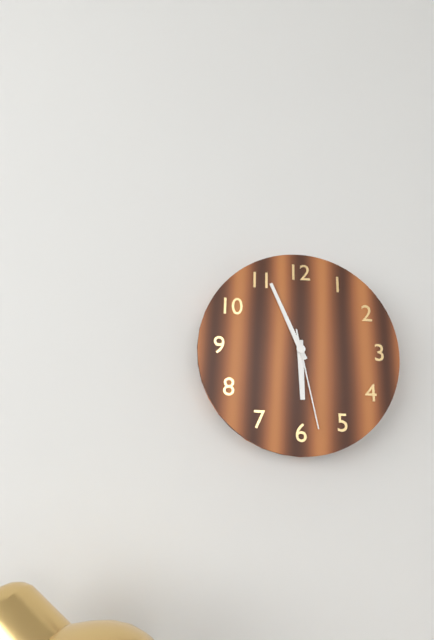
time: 5:56:28
